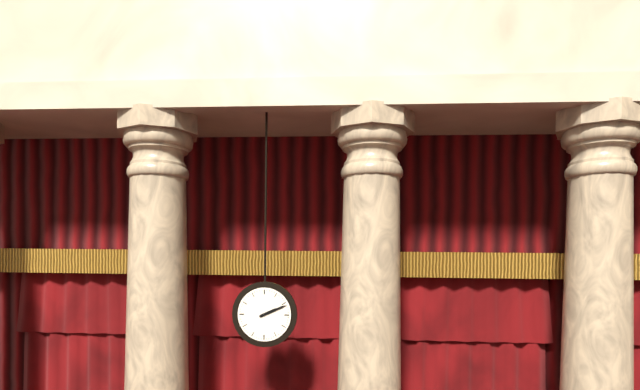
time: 2:11
